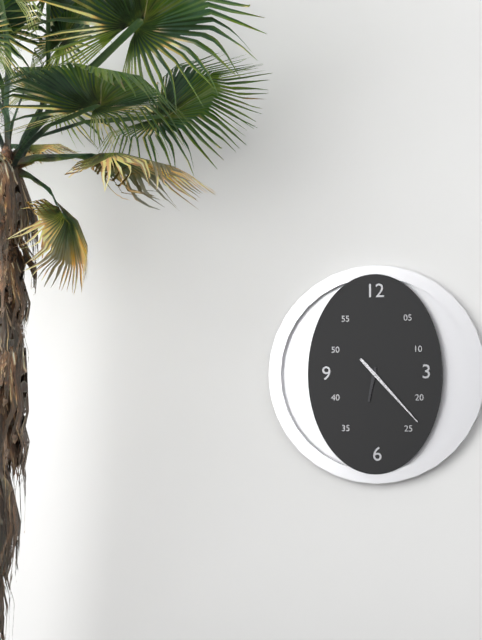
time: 6:23
